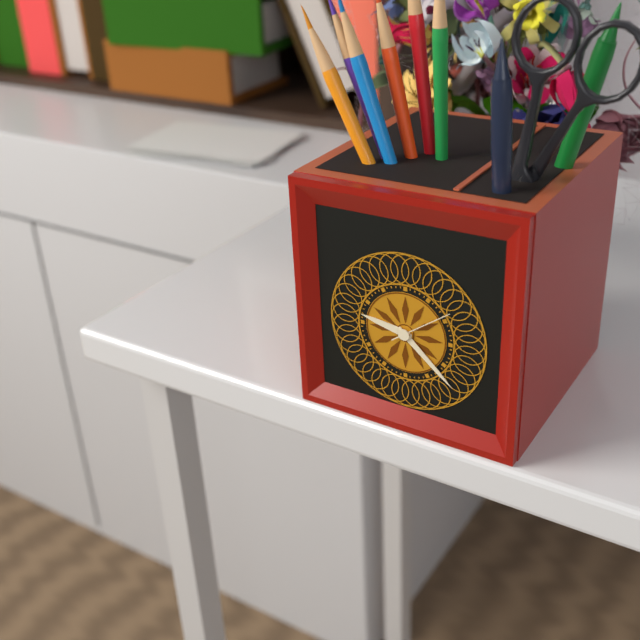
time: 9:22:09
